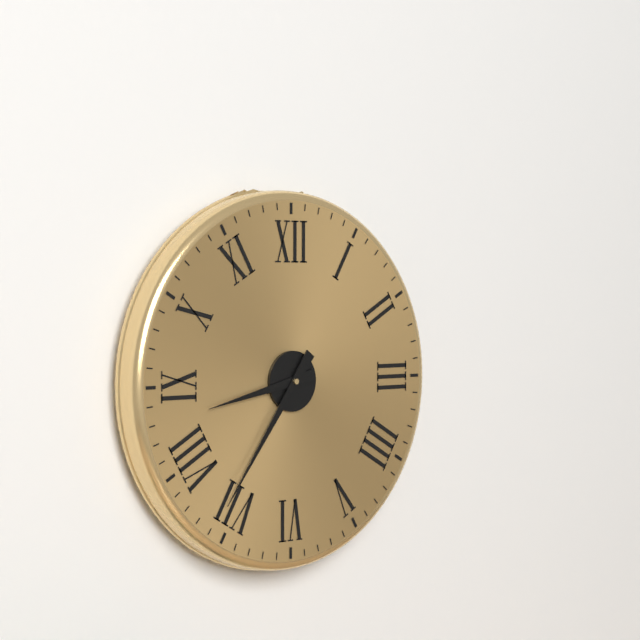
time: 8:36
